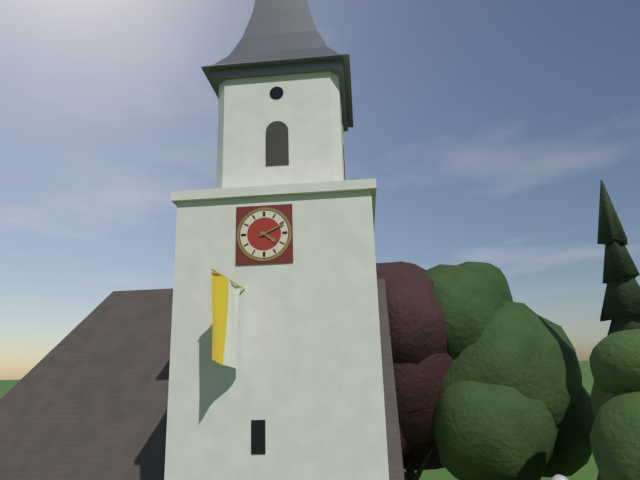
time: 4:11
